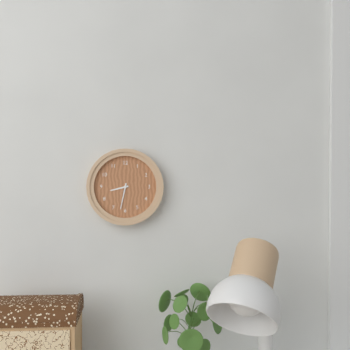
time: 8:32
